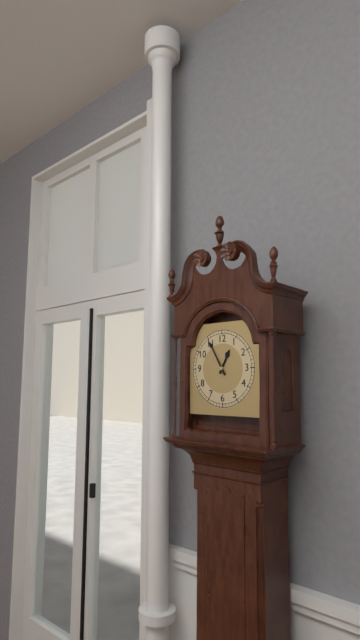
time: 12:55
